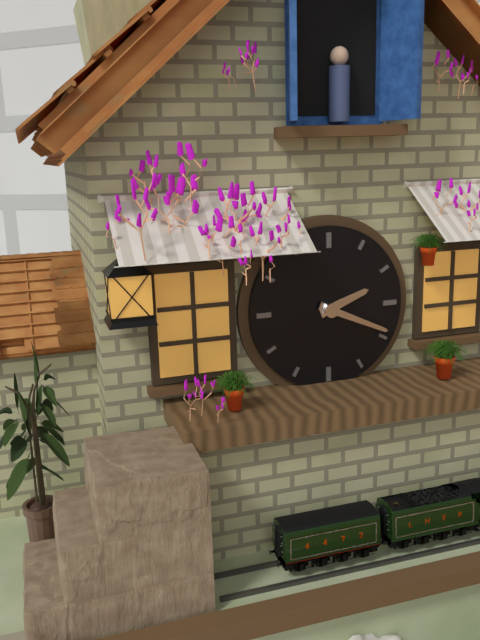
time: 2:19
